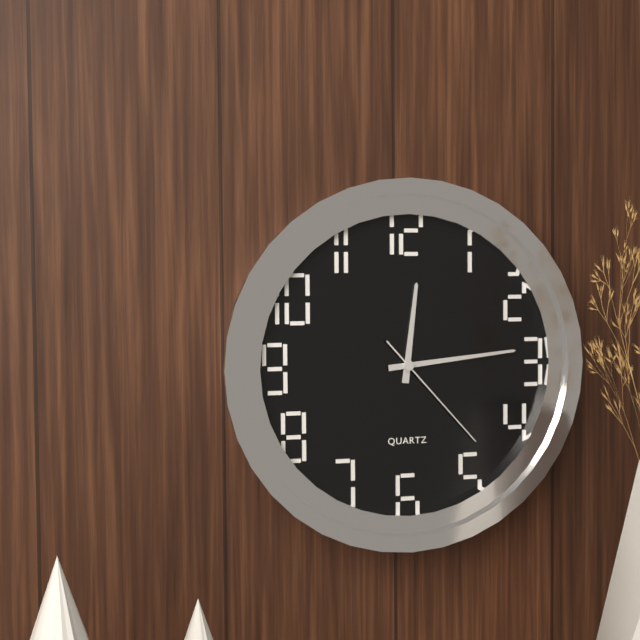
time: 12:14:23
